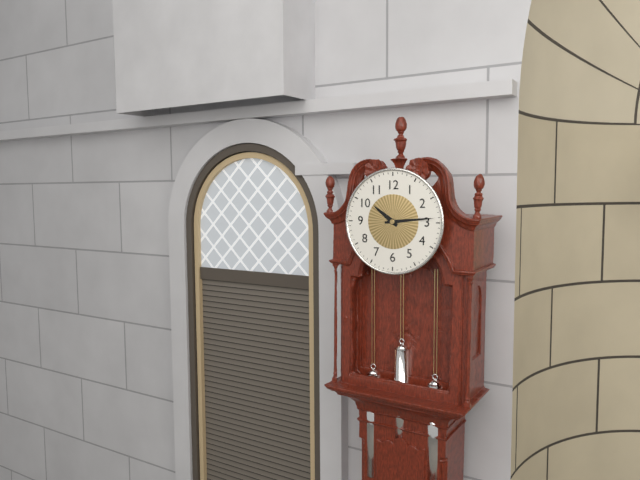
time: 10:14
